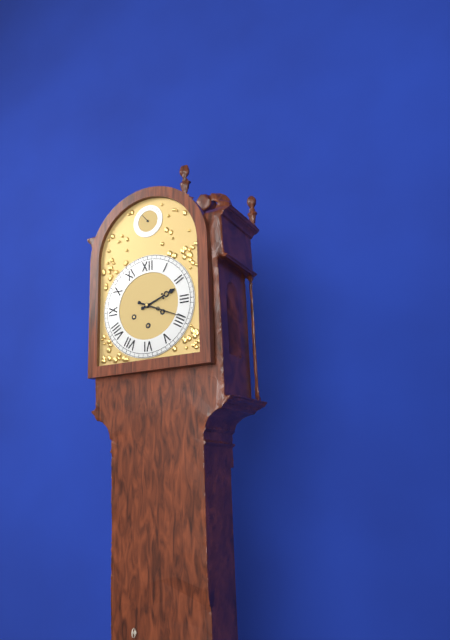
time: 2:19
